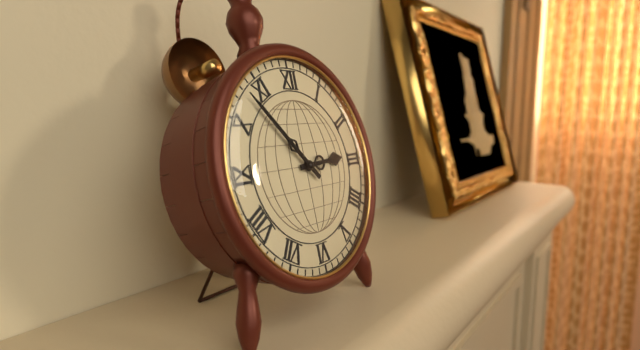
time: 2:53
